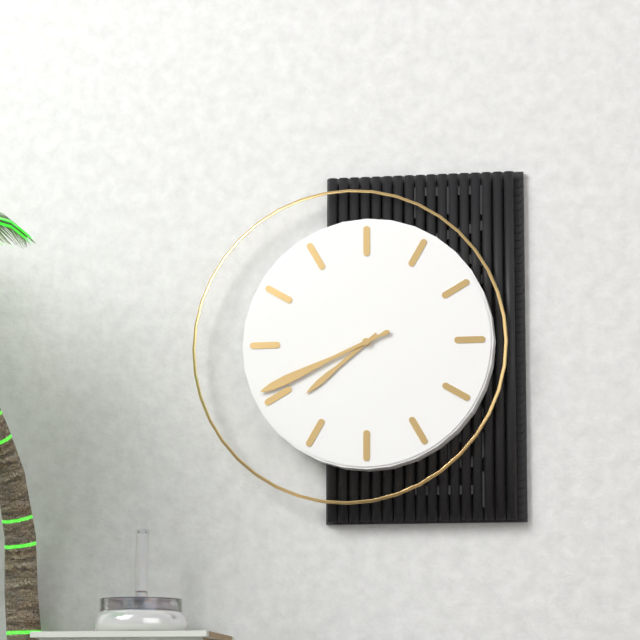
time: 7:41
